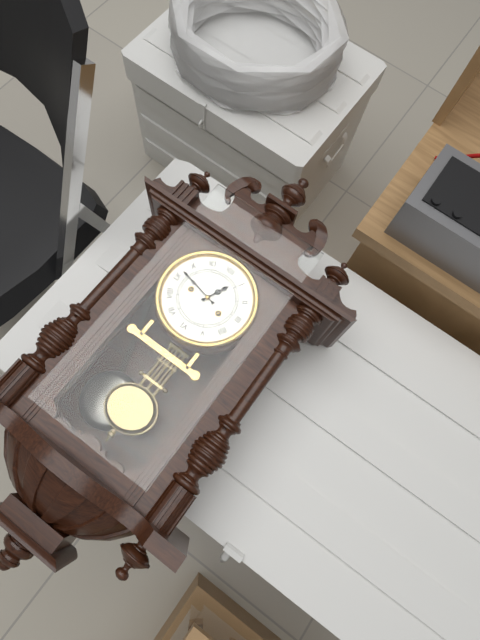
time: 12:47
